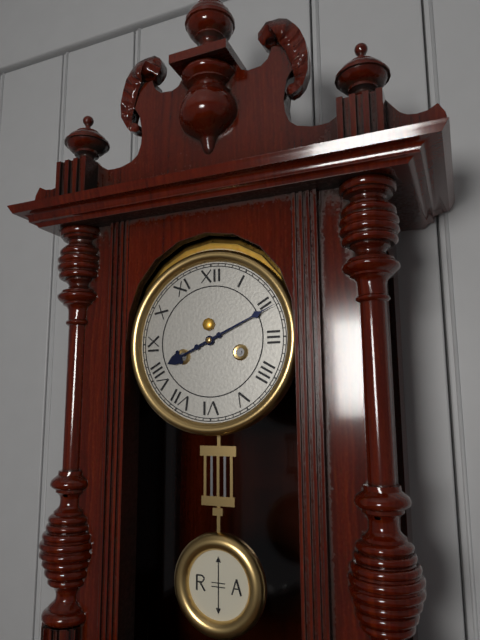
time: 8:11
